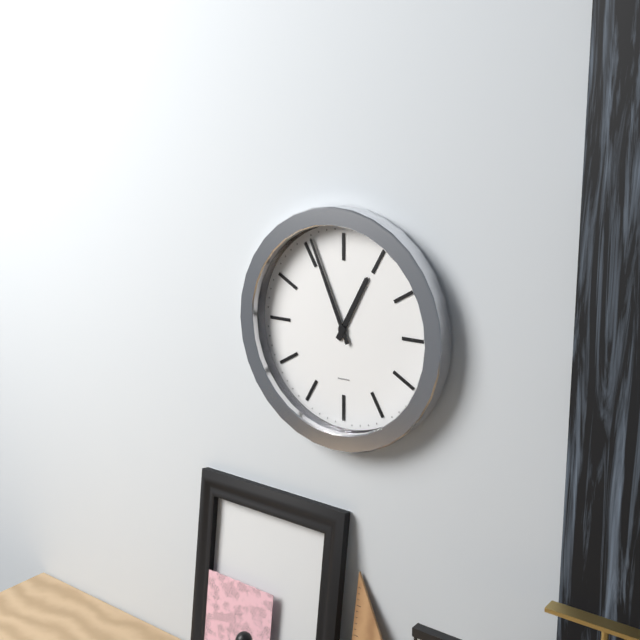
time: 12:56
